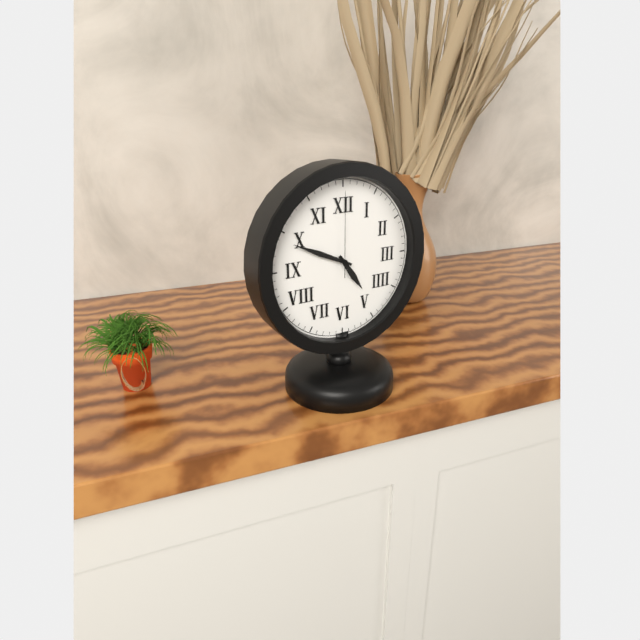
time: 4:49:00
